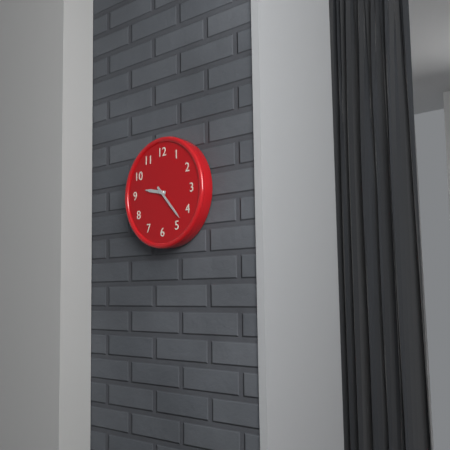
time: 9:23
